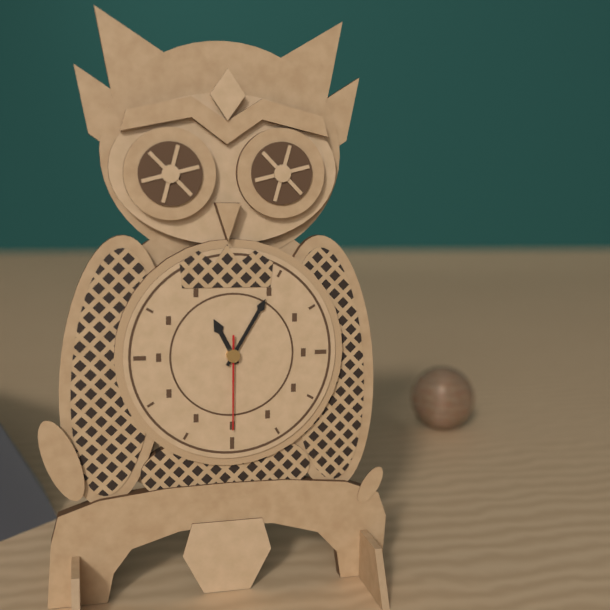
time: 11:05:30
